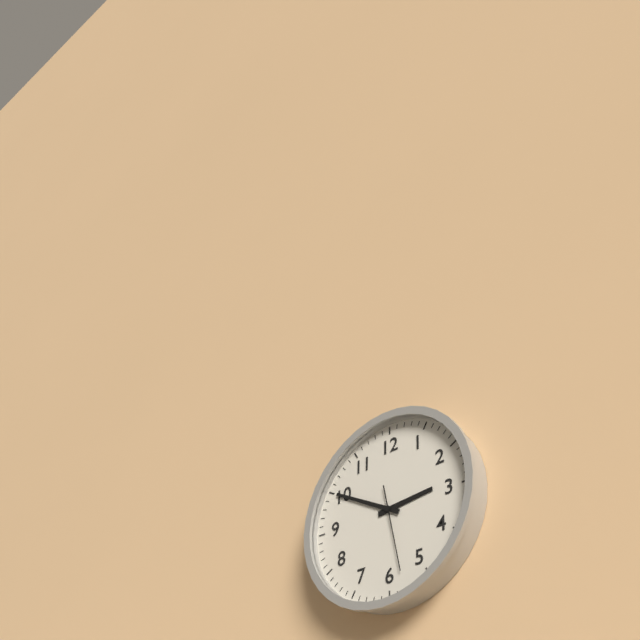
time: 2:50:28
